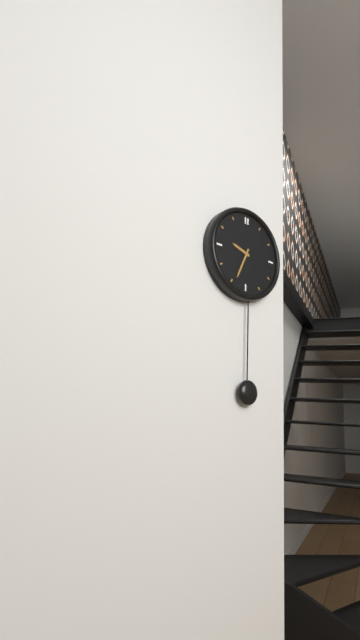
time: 9:34
